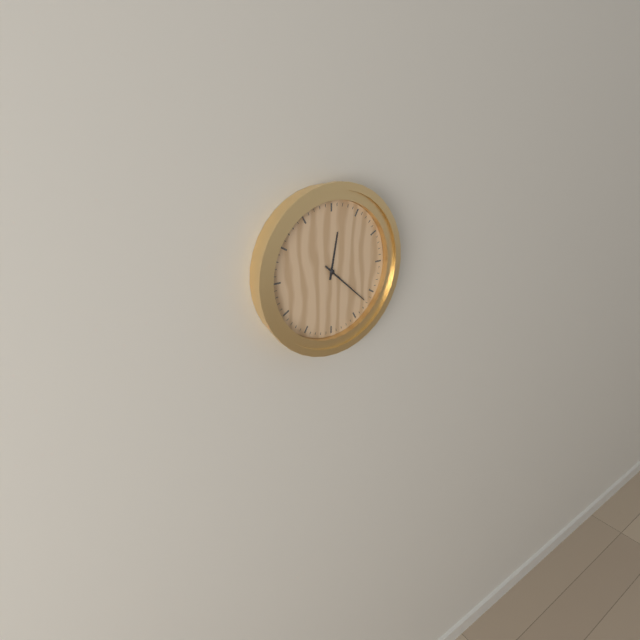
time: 12:22
